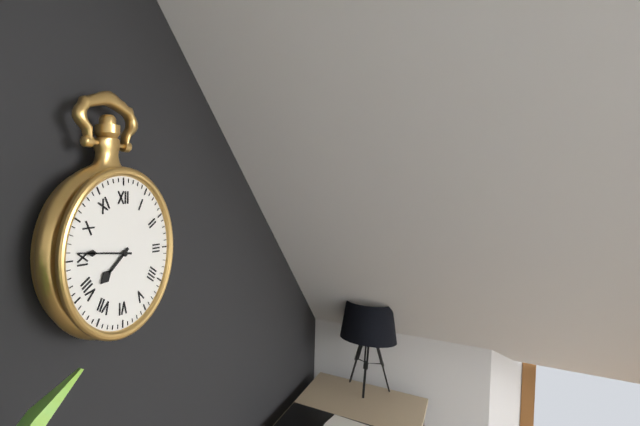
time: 7:46
